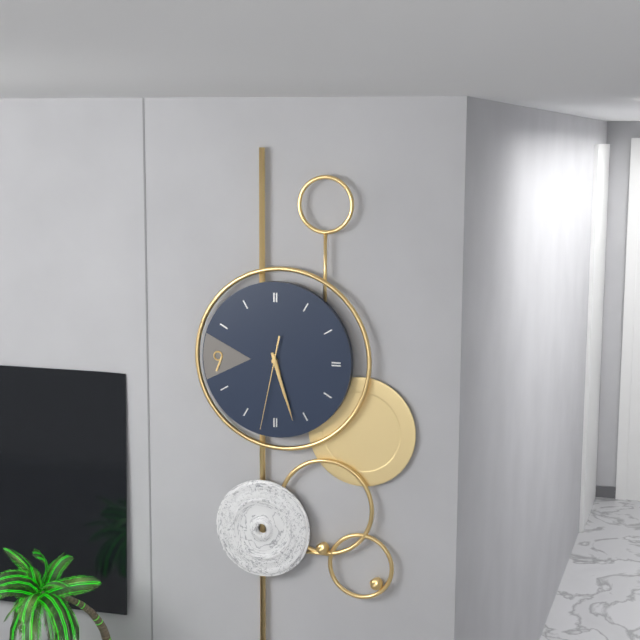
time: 5:27:32
